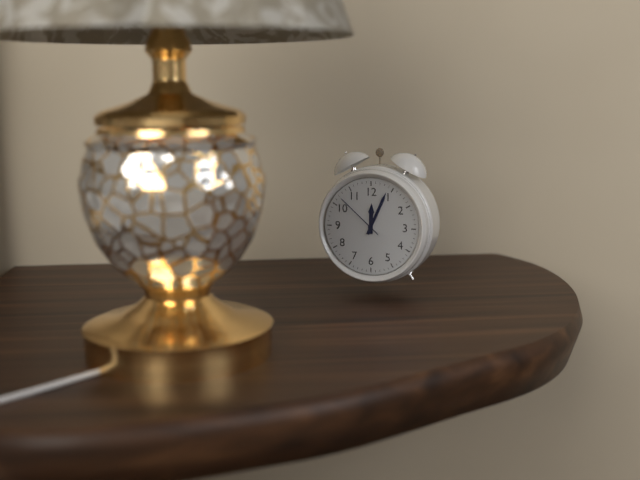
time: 12:04:52
